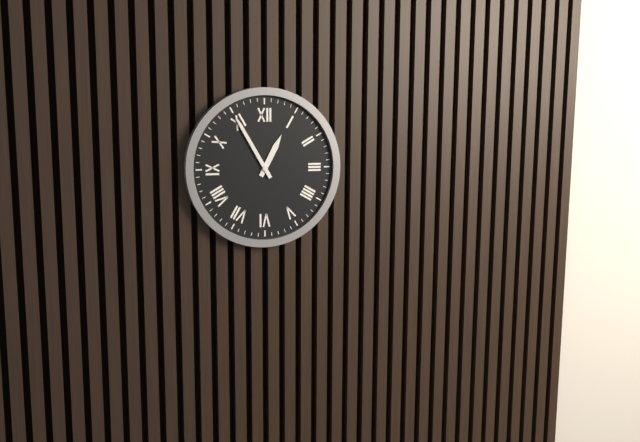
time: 12:55
